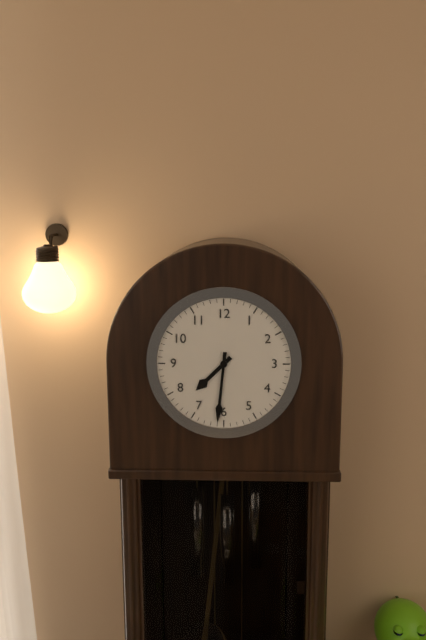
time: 7:31
